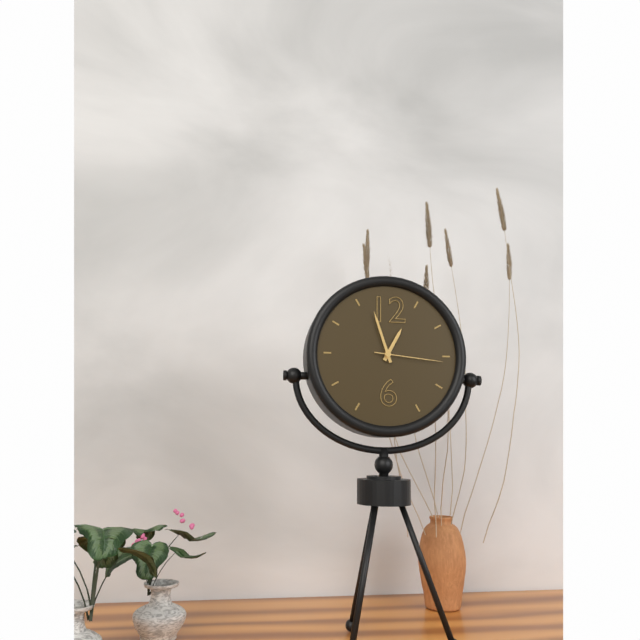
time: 12:57:16
